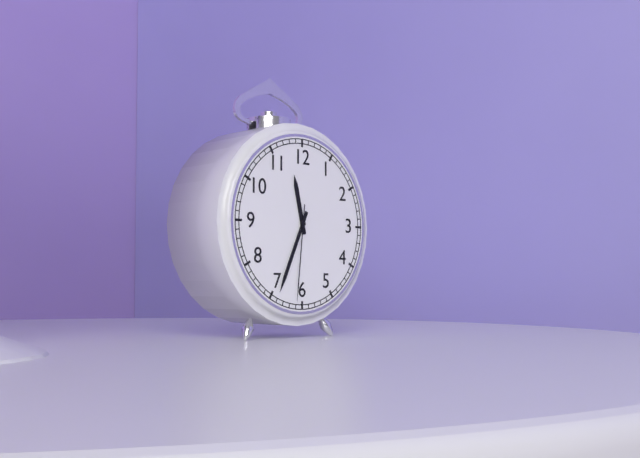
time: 11:34:31
